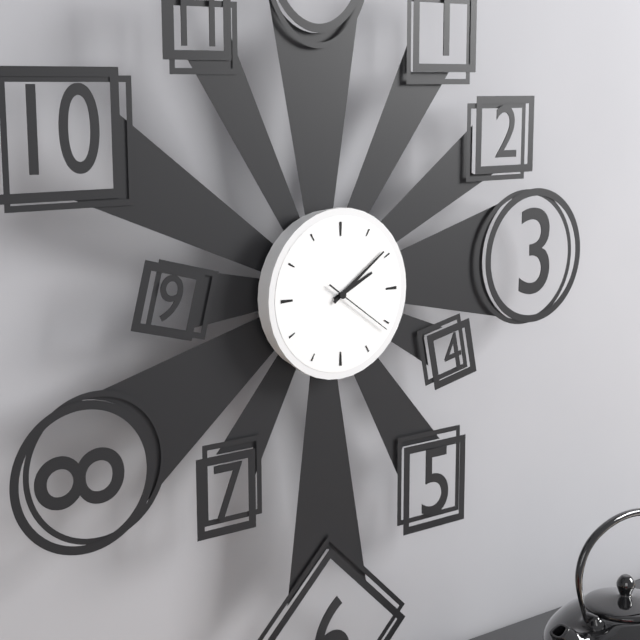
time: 2:09:21
